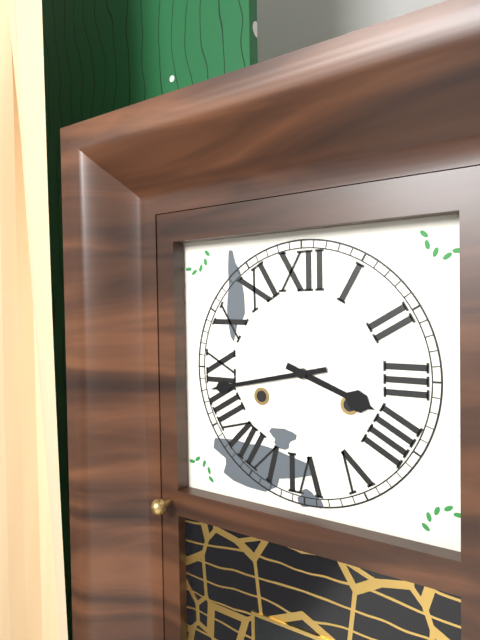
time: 3:43
